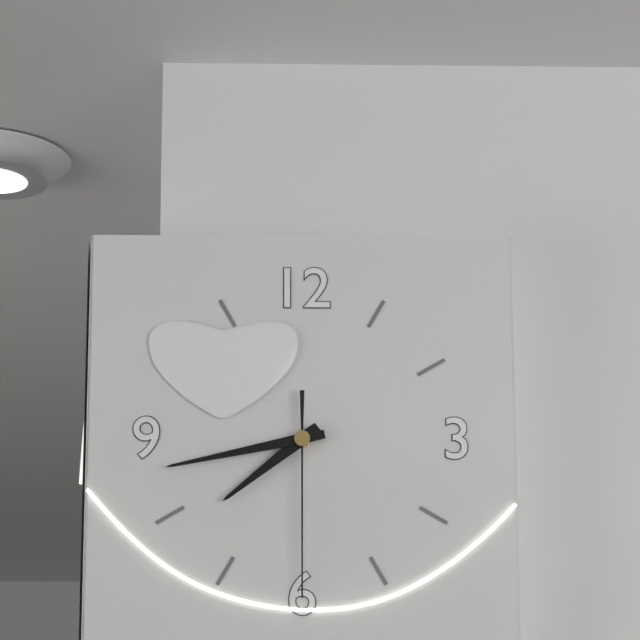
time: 7:43:30
